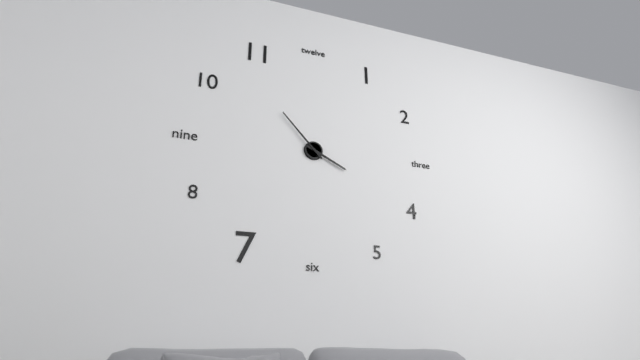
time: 3:53
